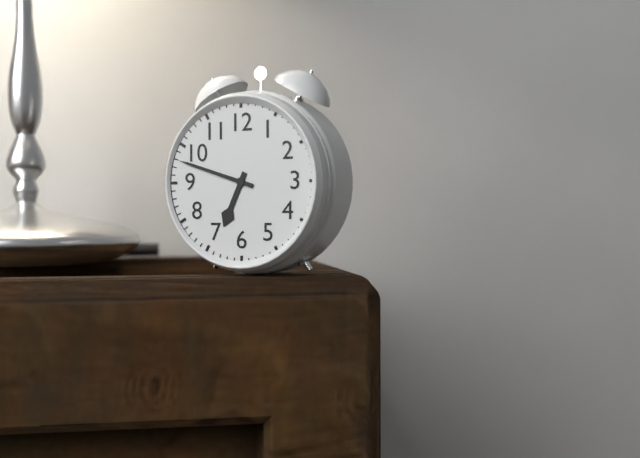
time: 6:48
